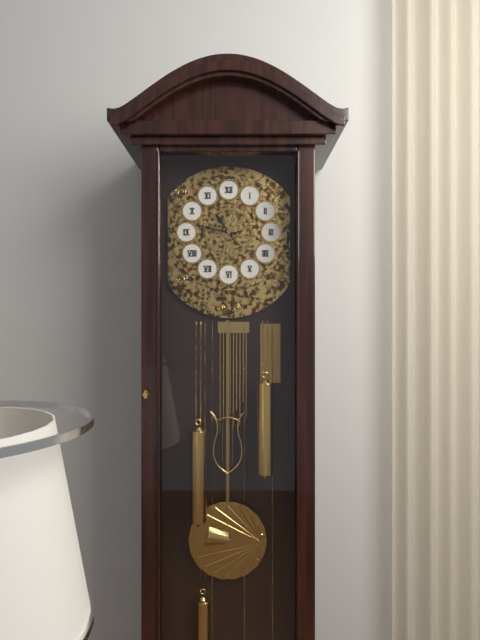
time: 10:47
